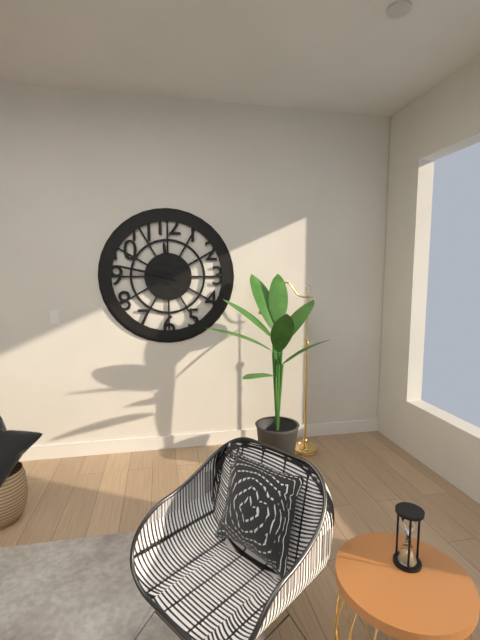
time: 11:47
